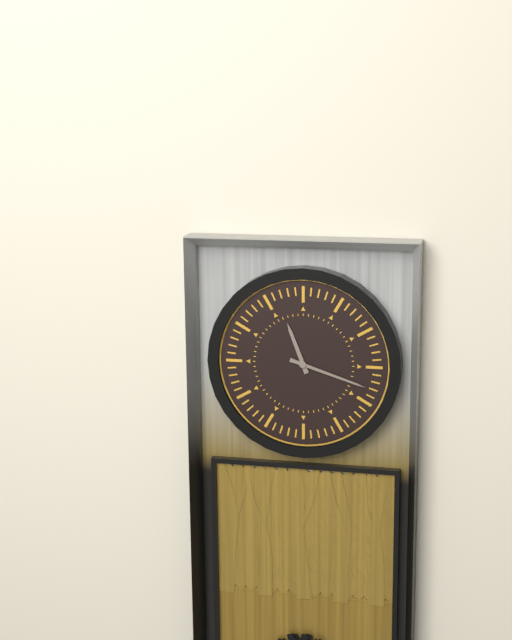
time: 11:18
